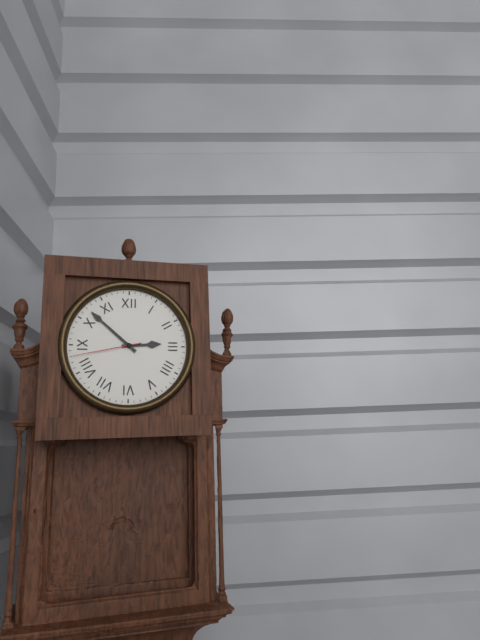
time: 2:52:43
